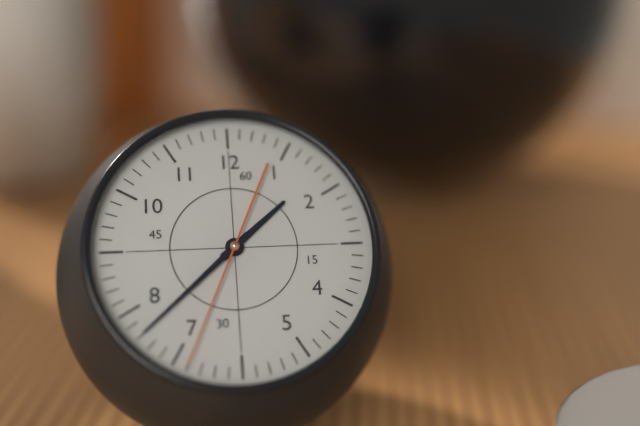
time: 1:38:34
